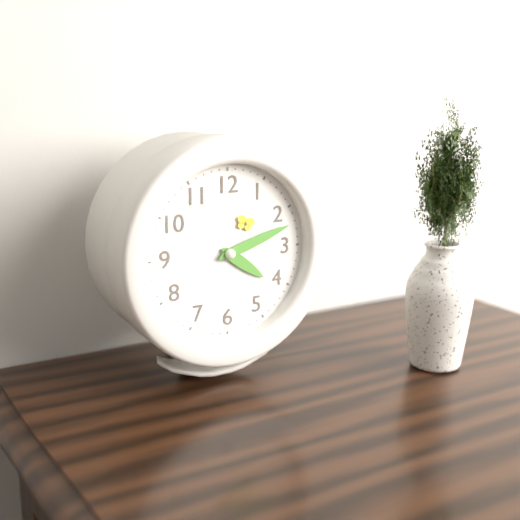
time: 4:12
